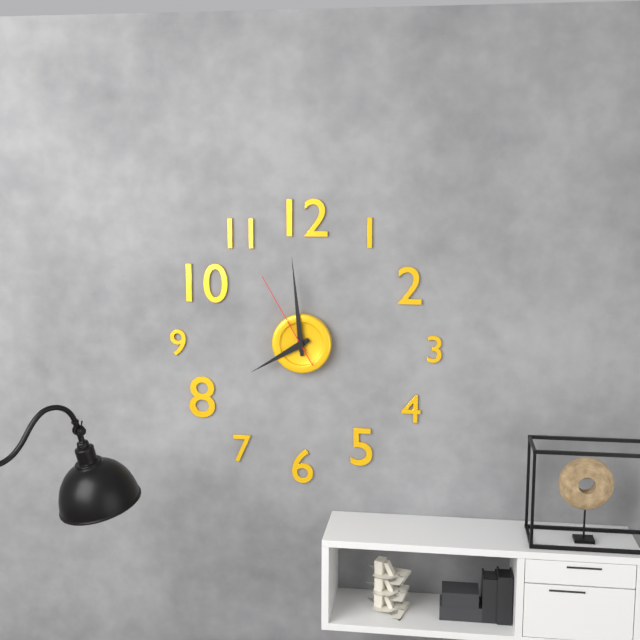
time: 7:59:55
